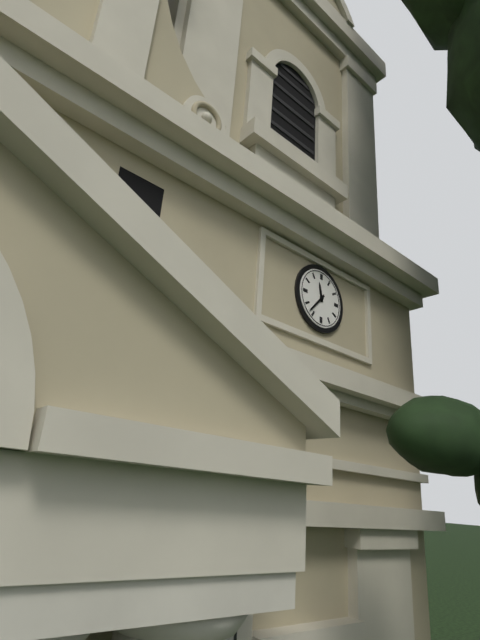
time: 11:37
